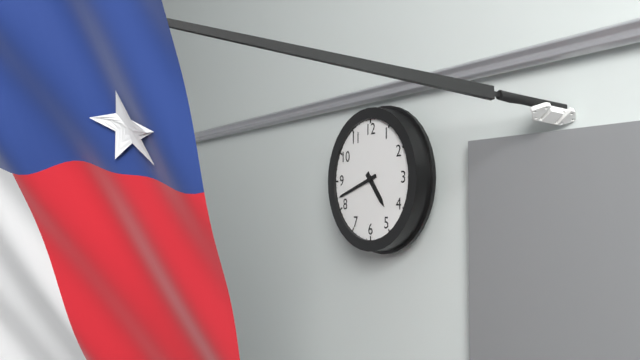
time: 4:42
